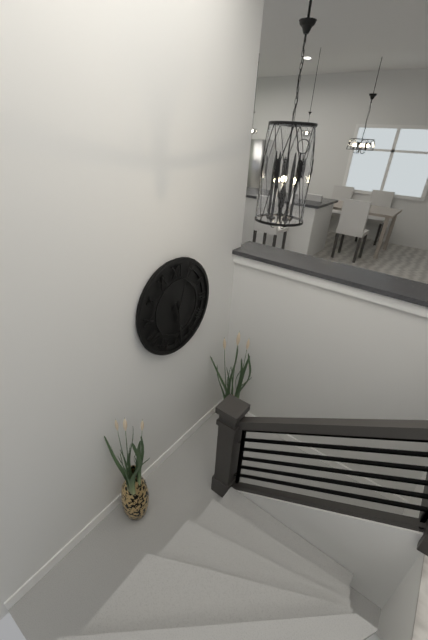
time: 5:29:03
